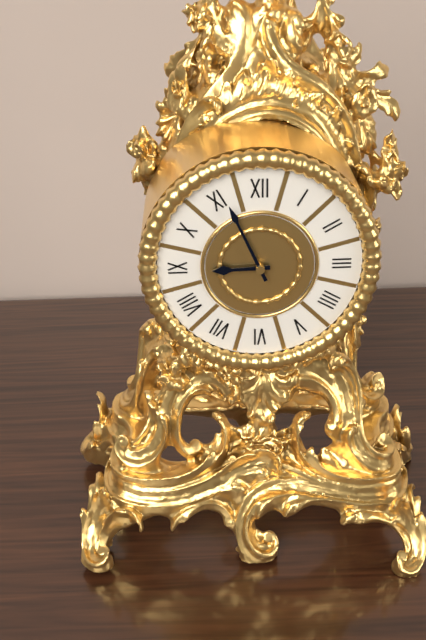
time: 8:56
